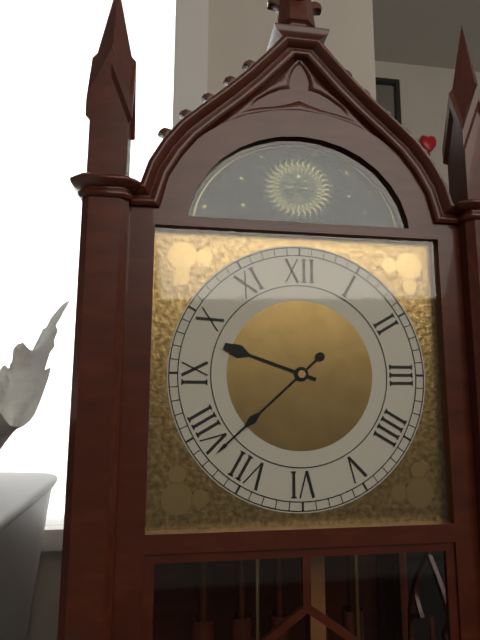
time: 9:38
